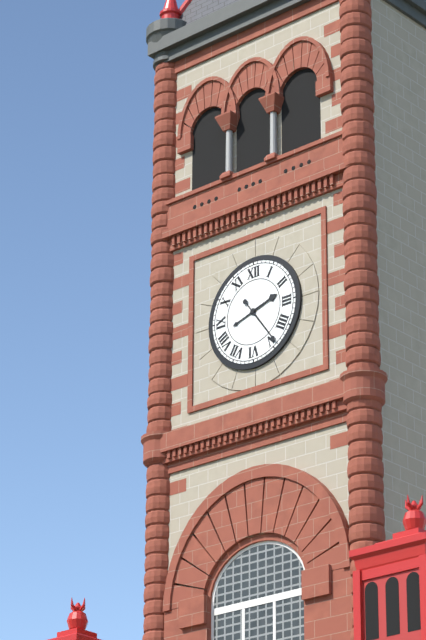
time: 2:24
